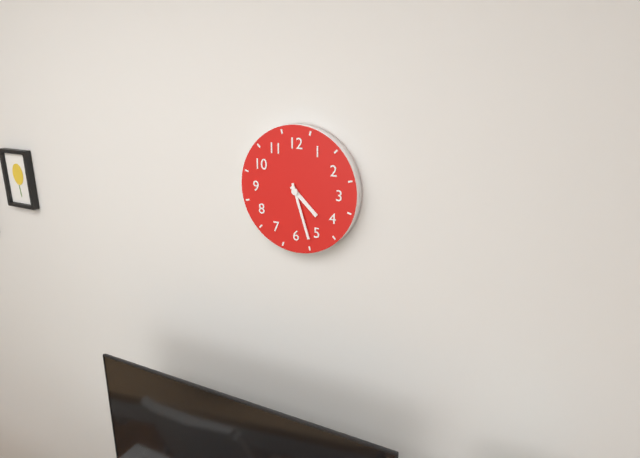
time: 4:27
